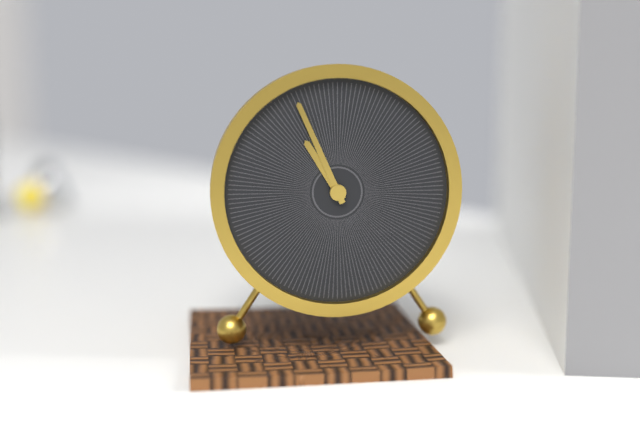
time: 10:56
